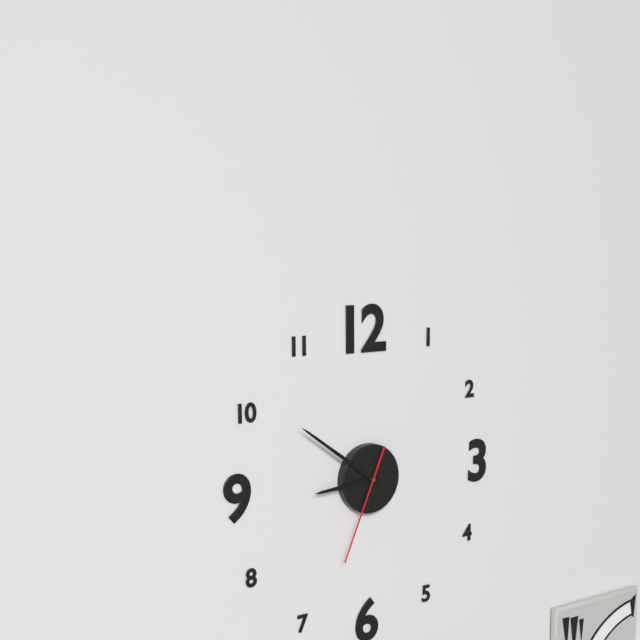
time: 8:51:34
